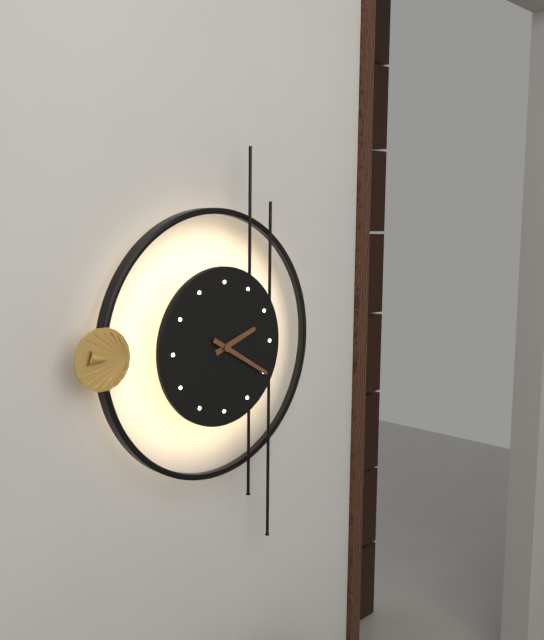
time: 2:20
